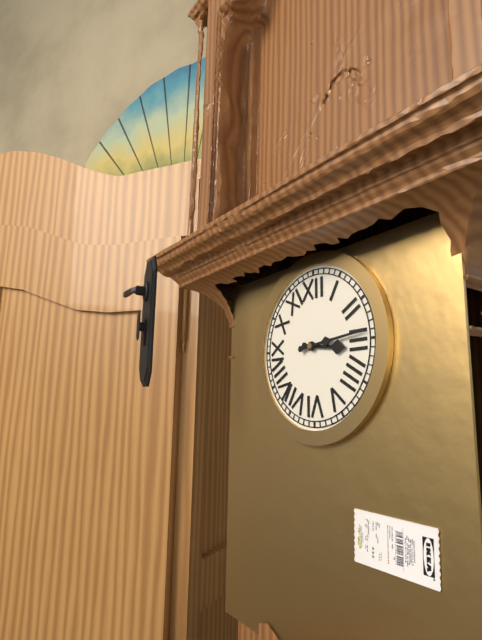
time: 3:14
